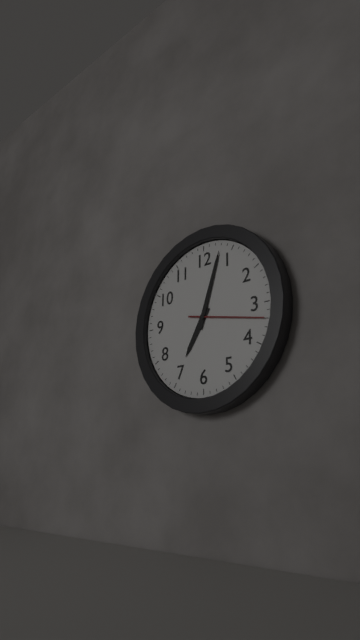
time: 7:03:17
